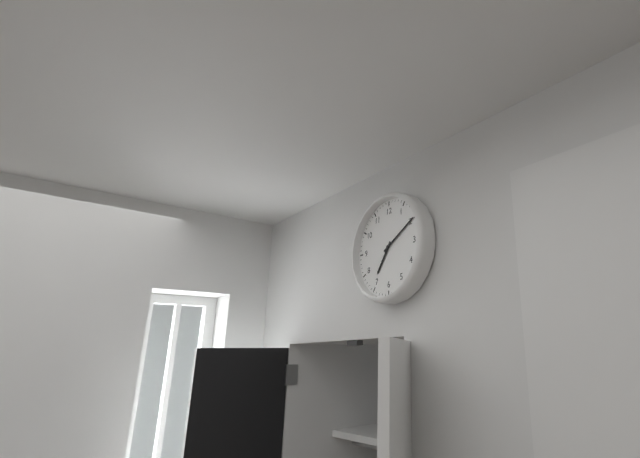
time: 7:10
